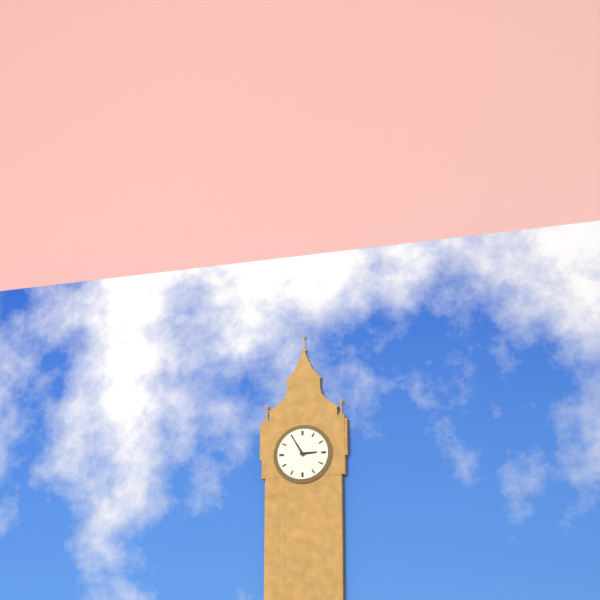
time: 2:55
